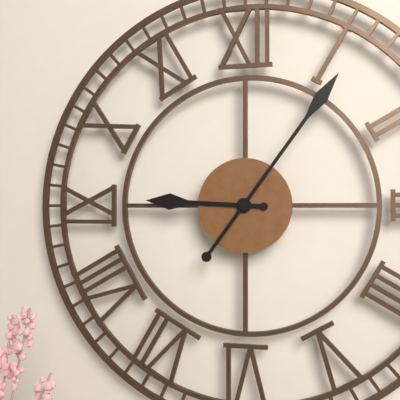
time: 9:06
